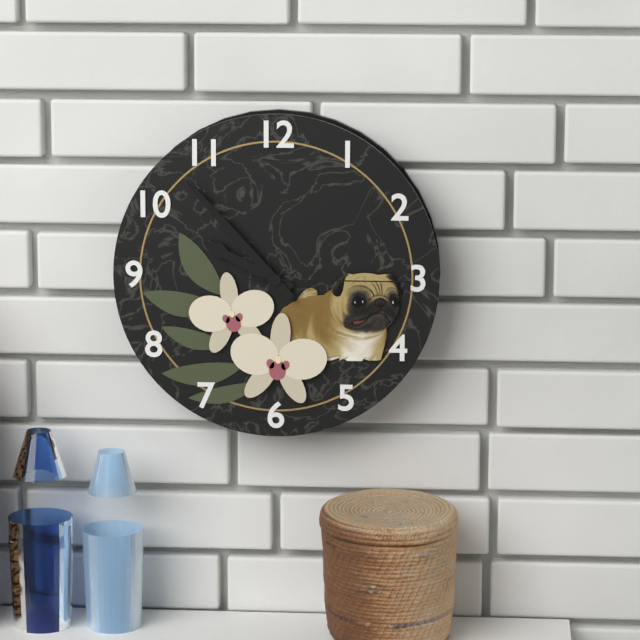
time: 9:53:15
